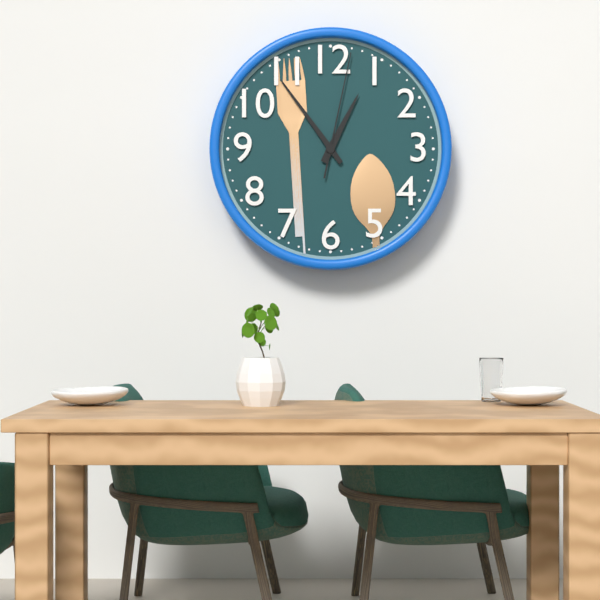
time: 12:54:02
